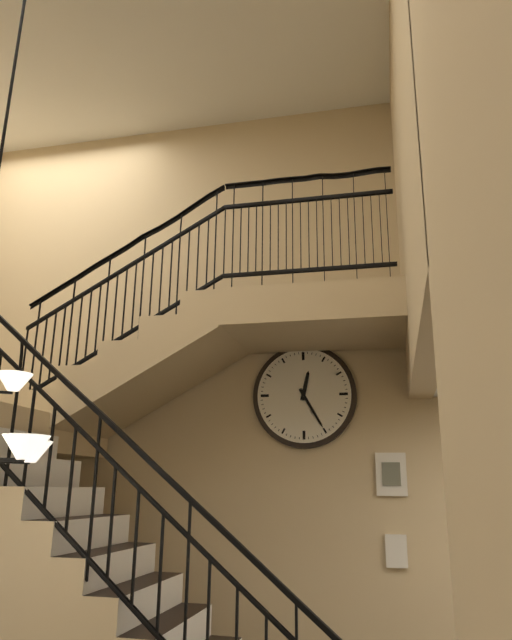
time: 12:25
